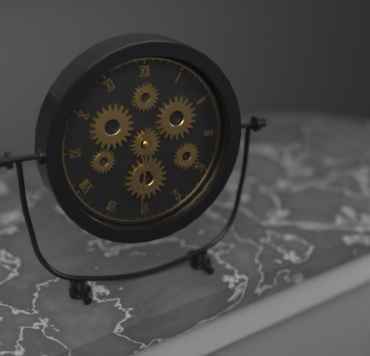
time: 5:31
